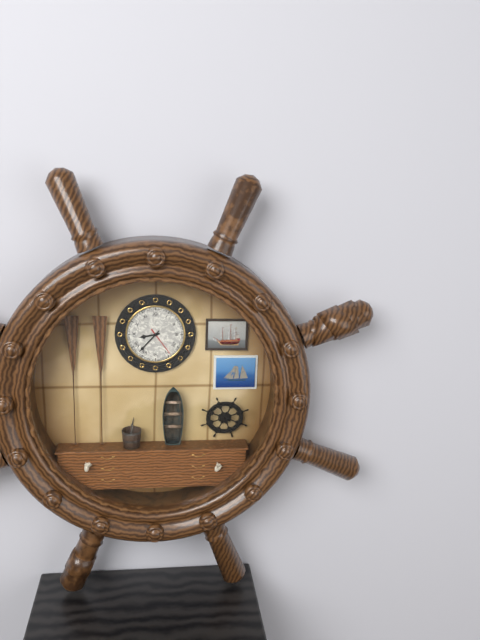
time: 8:37
